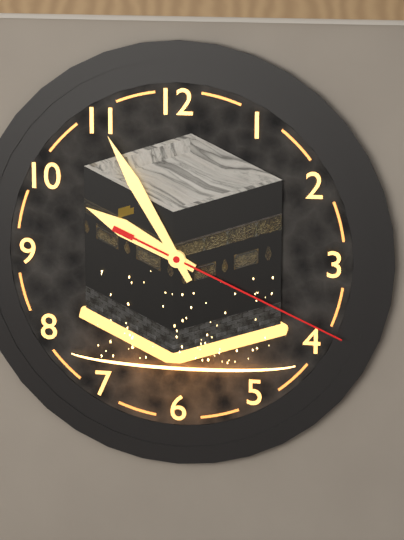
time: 9:55:19
